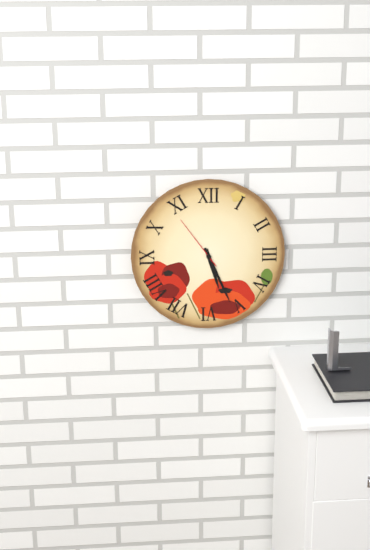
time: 5:26:54
